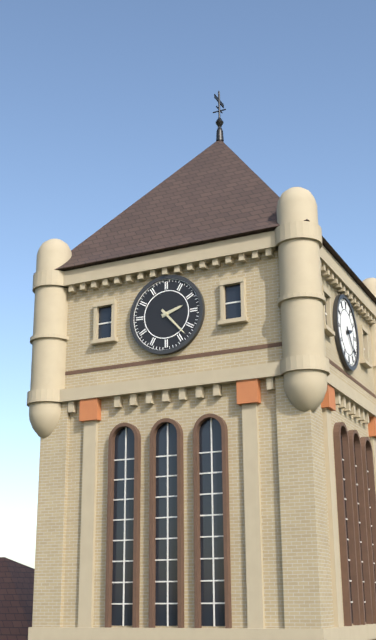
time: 2:23
